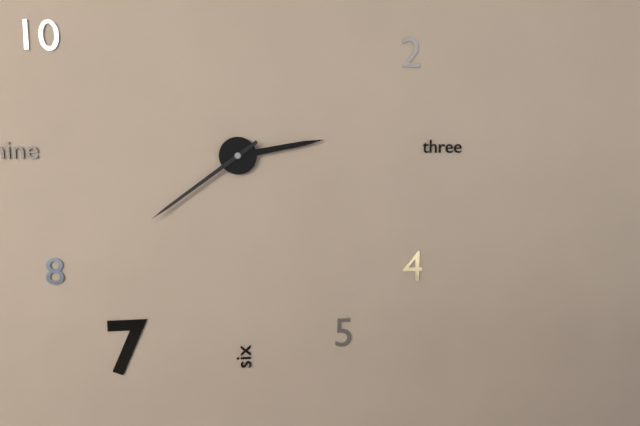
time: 2:39
